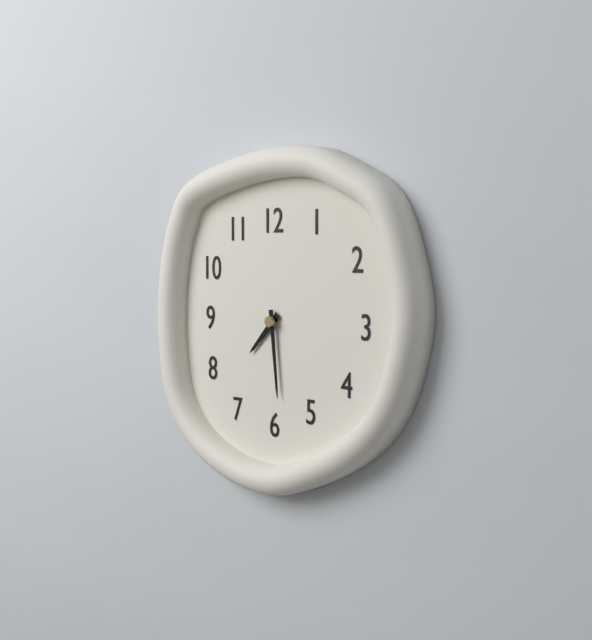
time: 7:29
